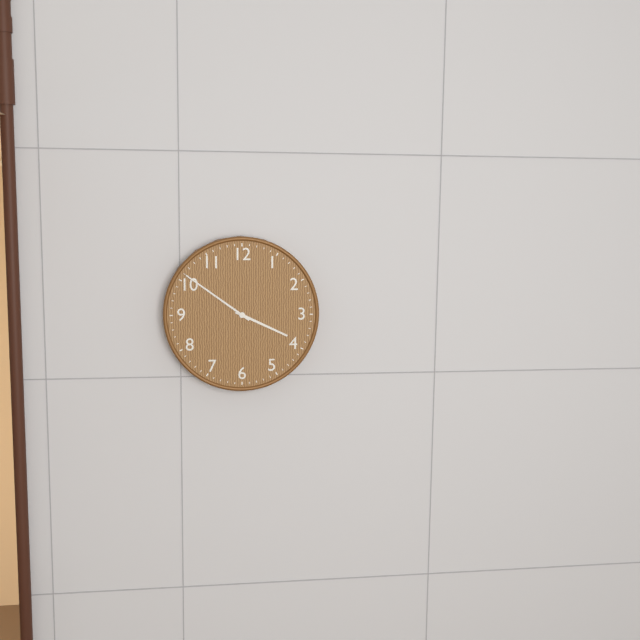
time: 3:51
